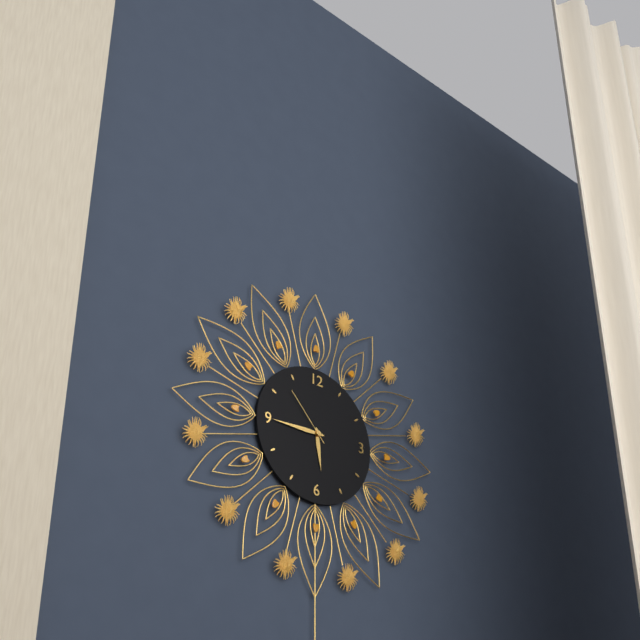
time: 5:45:53
